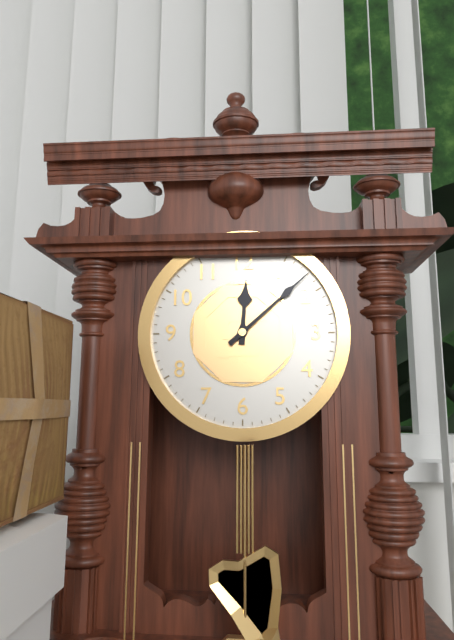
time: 12:08
